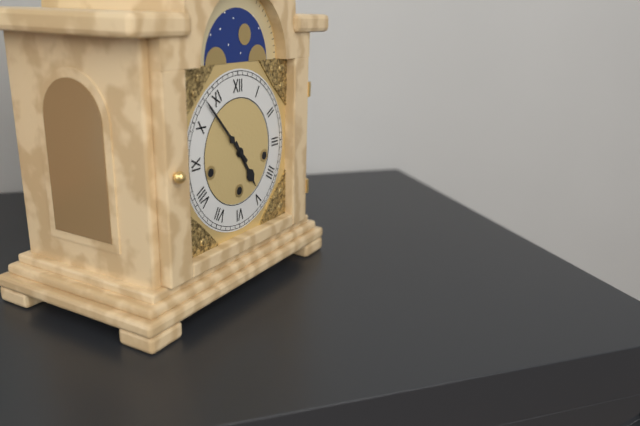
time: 4:53
